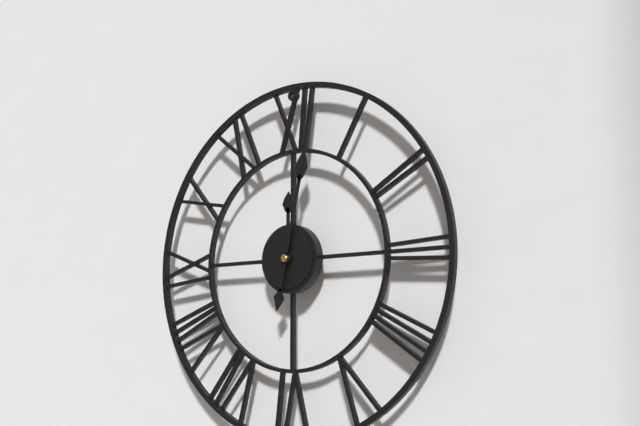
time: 12:02
